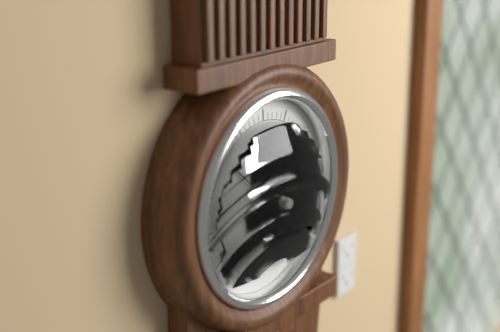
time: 12:52
